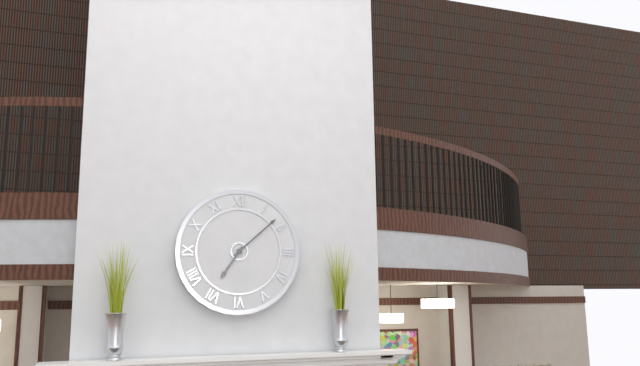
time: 7:08
